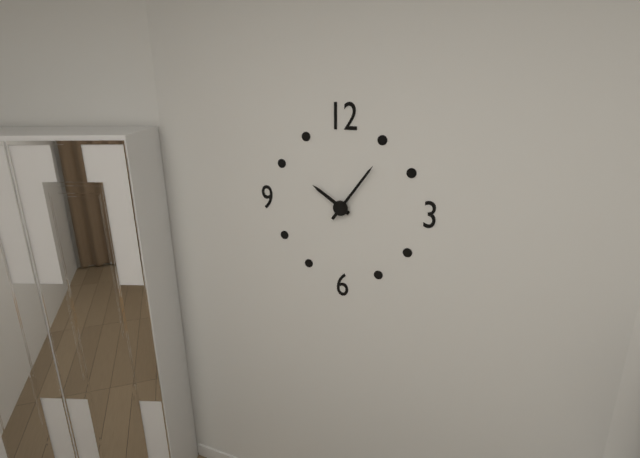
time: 10:06
